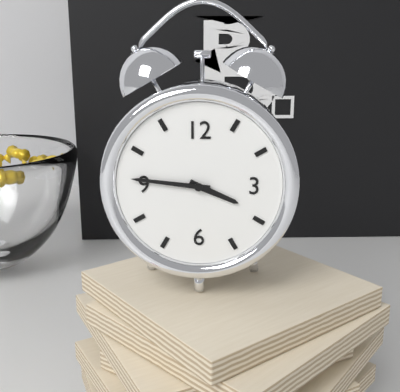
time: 3:46
